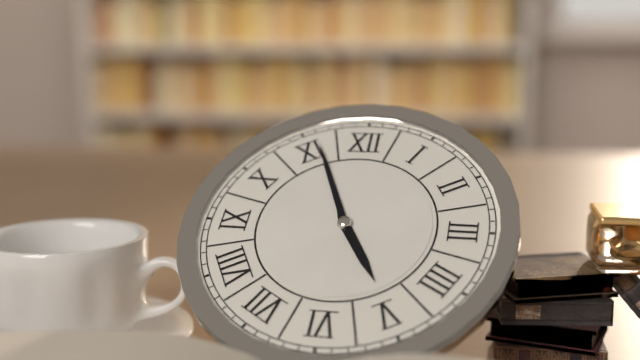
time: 4:56
